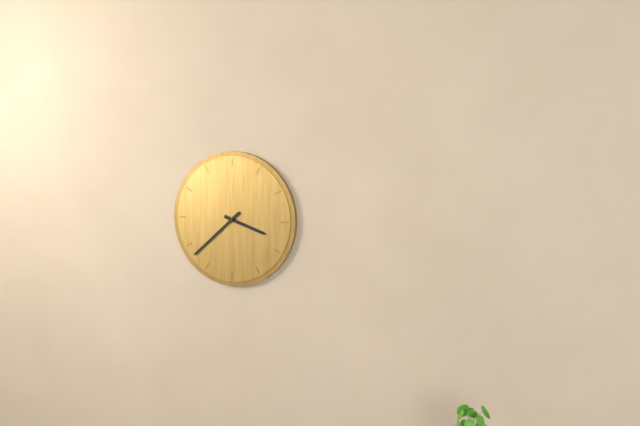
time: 3:38
